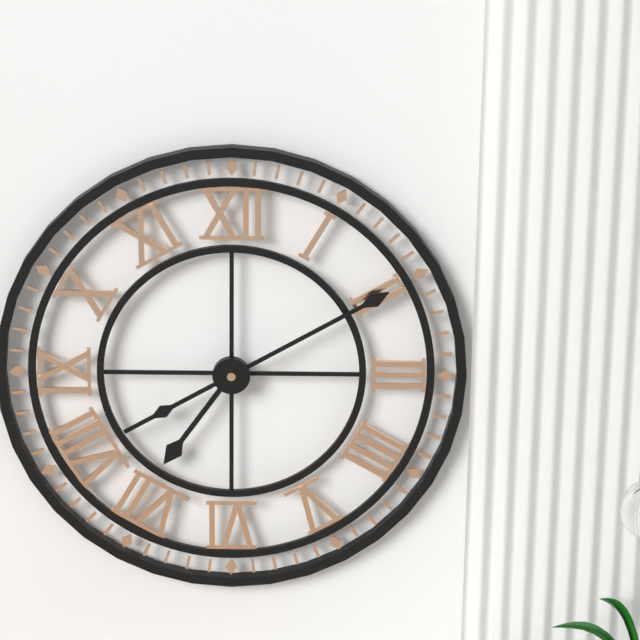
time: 7:10
